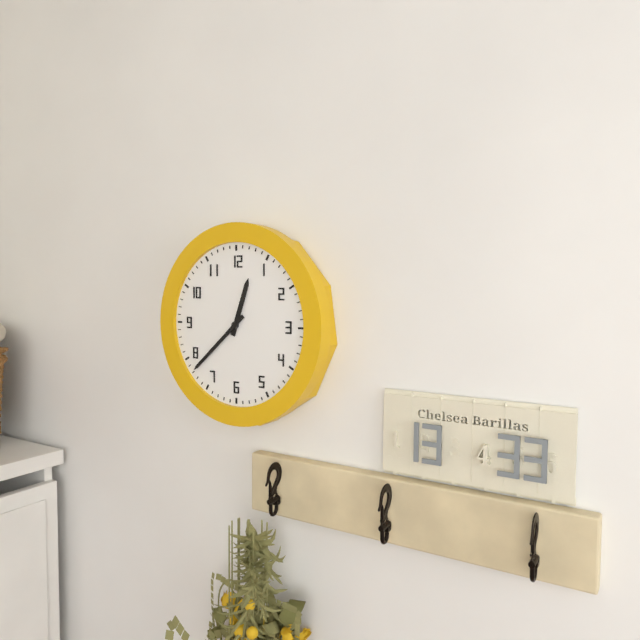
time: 12:38
